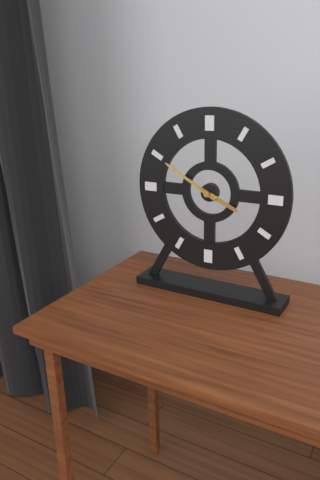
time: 3:50
